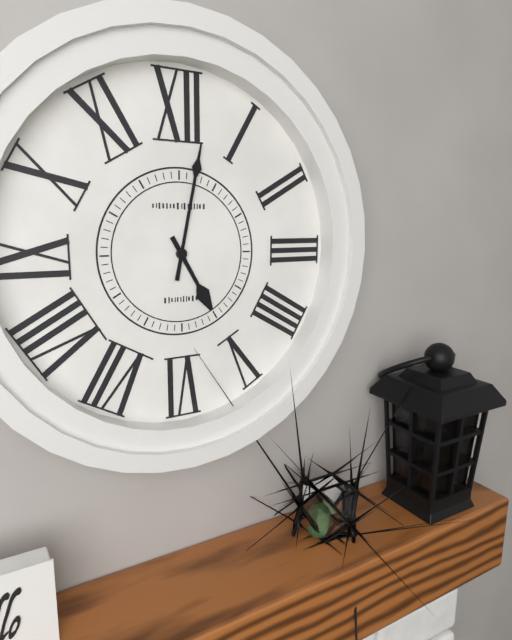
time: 5:02
